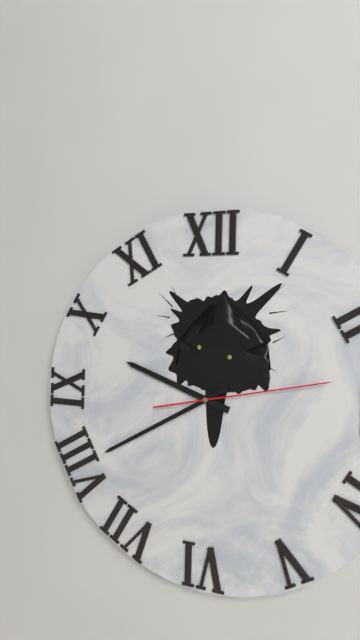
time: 9:40:13
